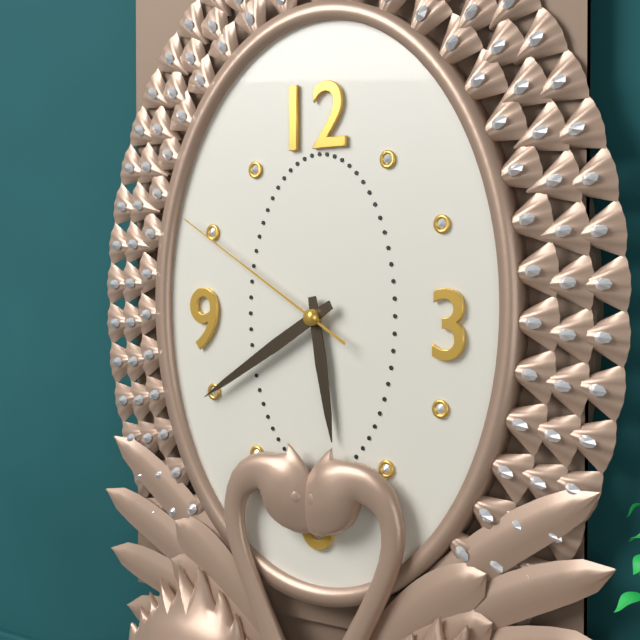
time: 5:40:50
